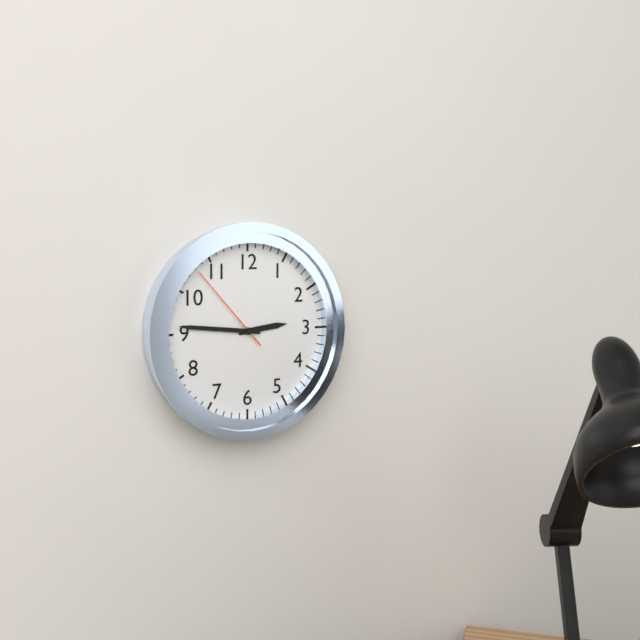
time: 2:46:53
